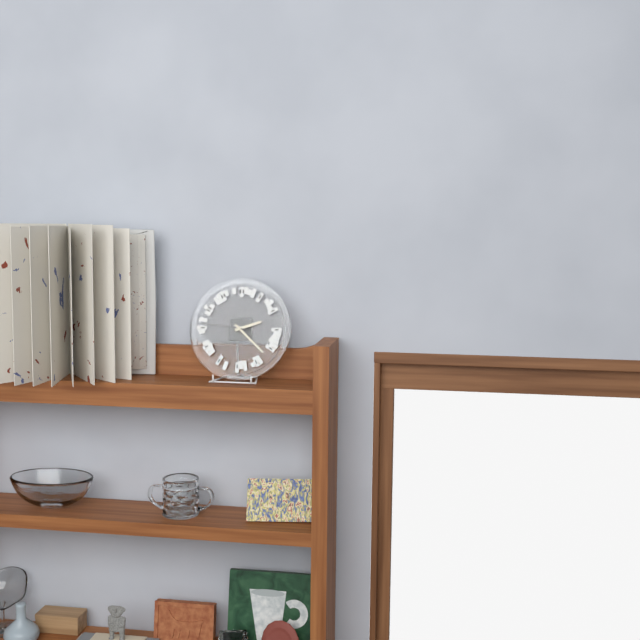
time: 2:22
